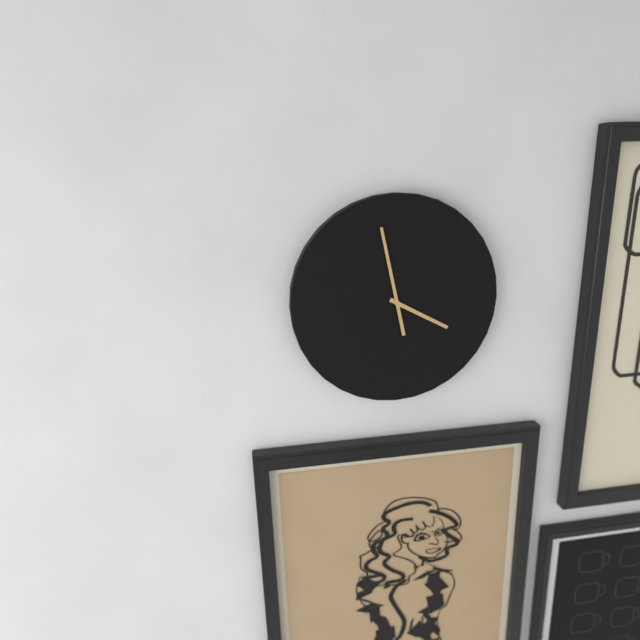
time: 3:58
